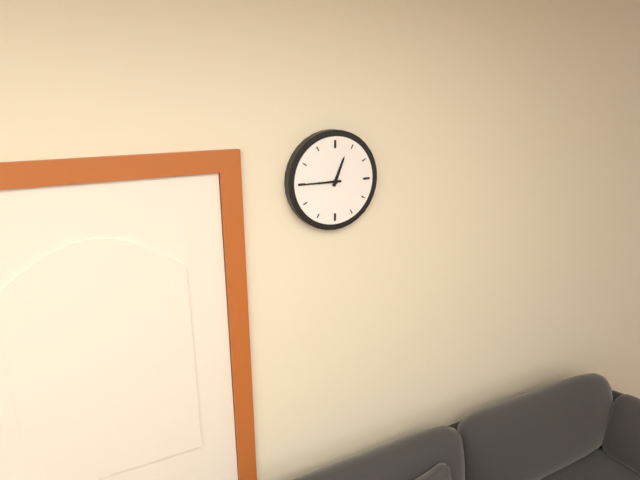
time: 12:45
